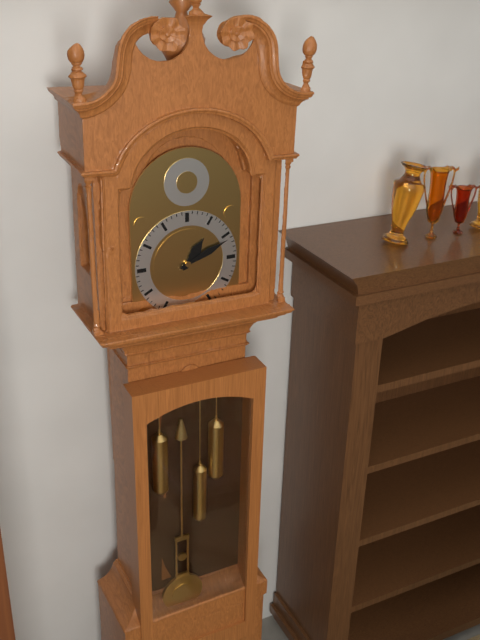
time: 1:11
